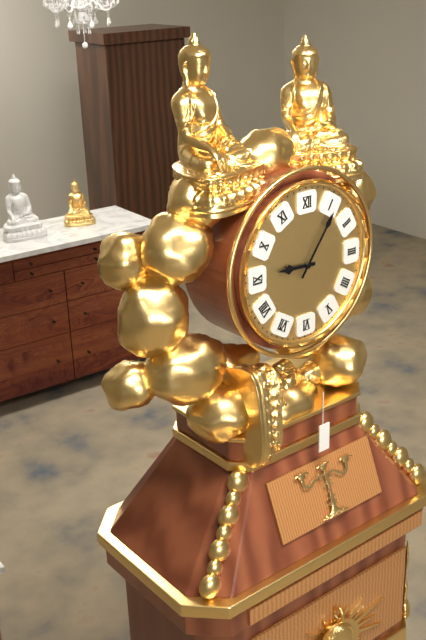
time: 9:06
